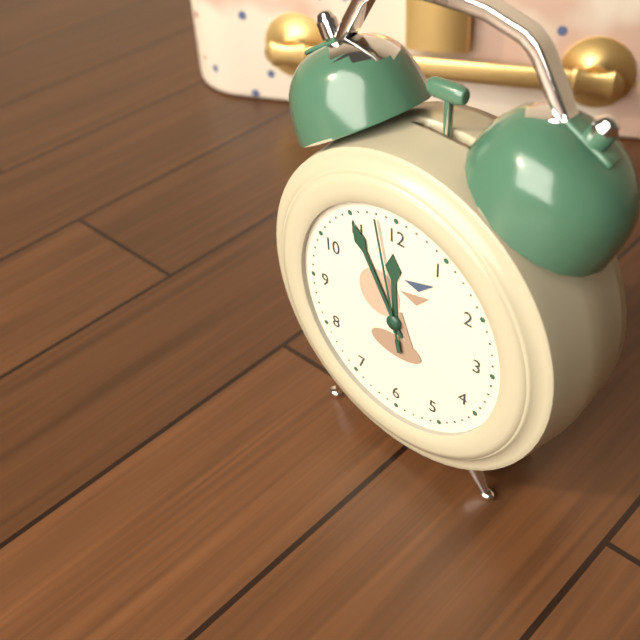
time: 11:55:58
